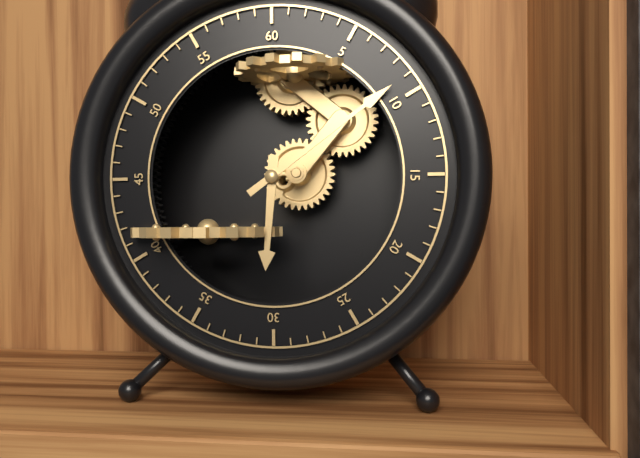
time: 6:09
